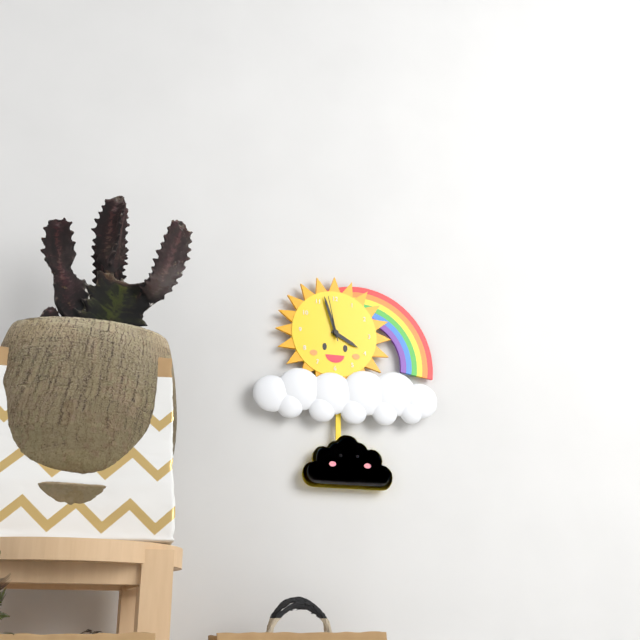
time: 3:57
